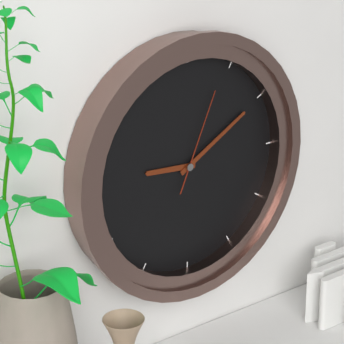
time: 9:10:04
